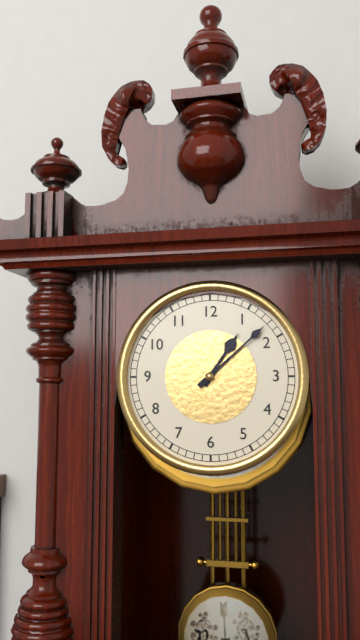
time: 1:08
